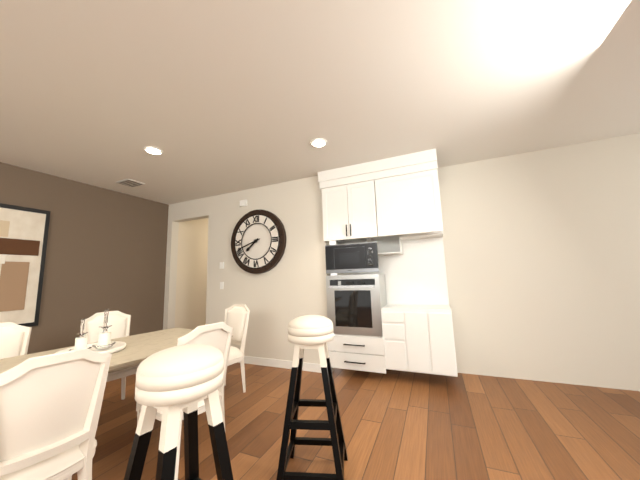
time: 7:42
